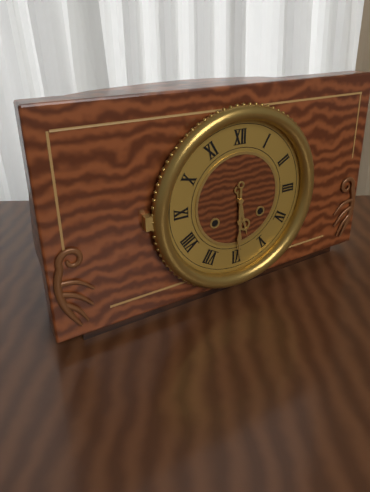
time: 5:30
